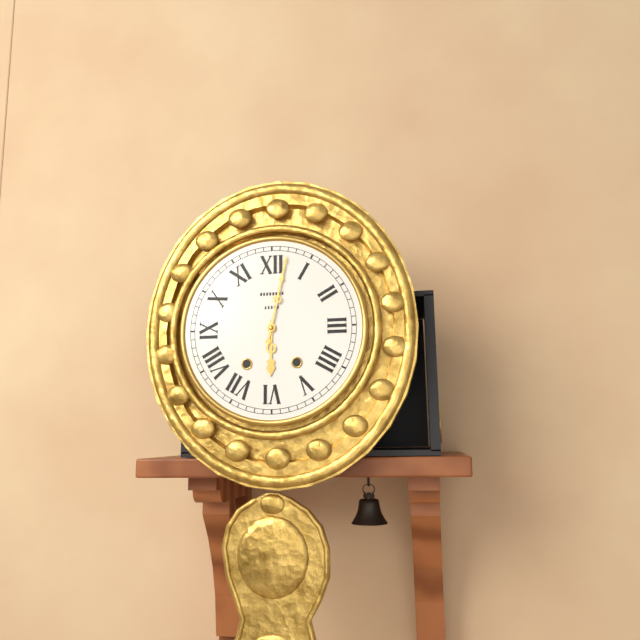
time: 6:02
